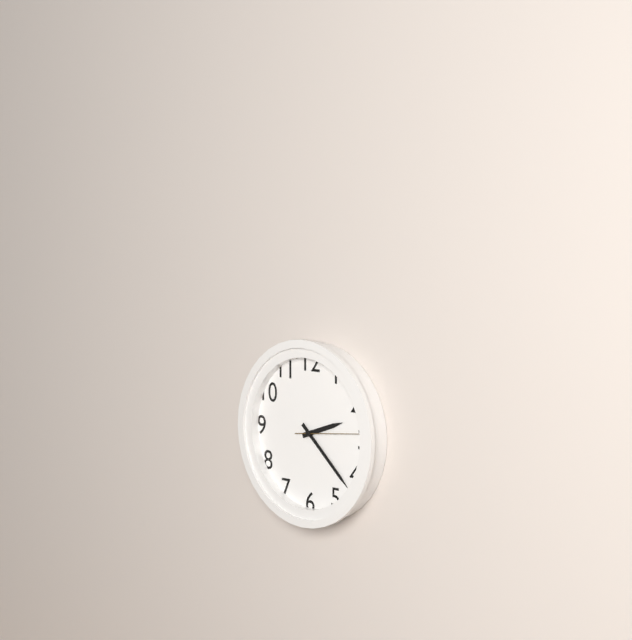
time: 2:22:14
